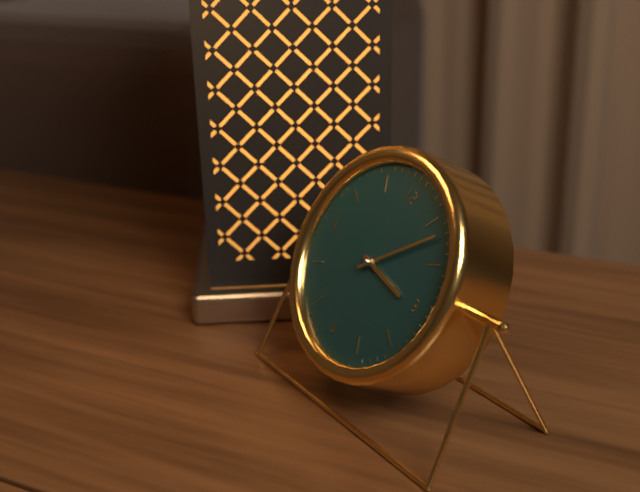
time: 3:07
